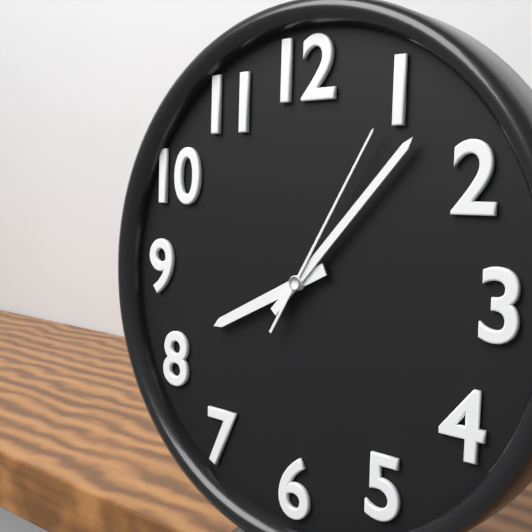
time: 8:07:05
